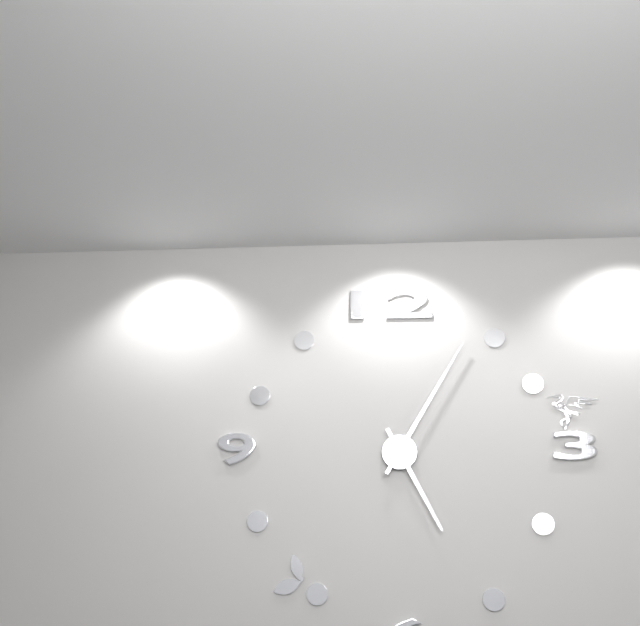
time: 5:05
